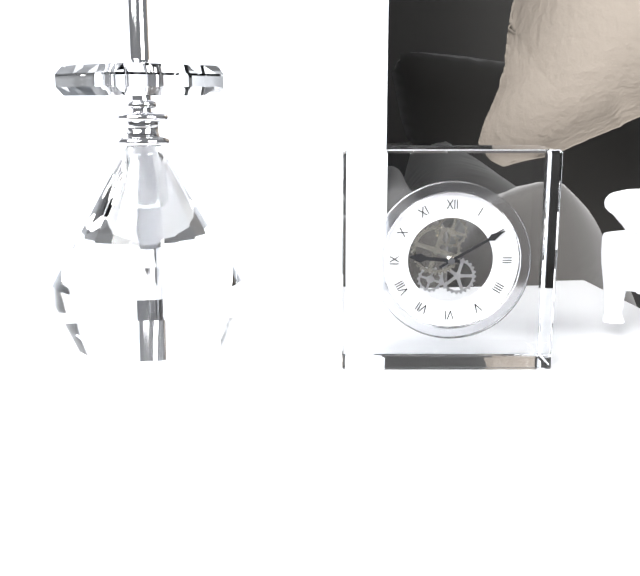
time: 9:10
